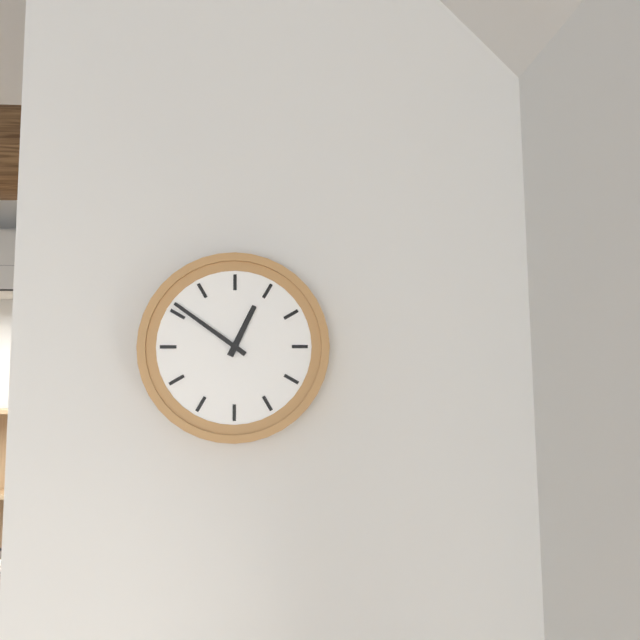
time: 12:51
